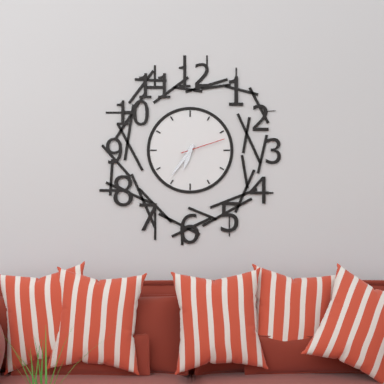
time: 6:36
